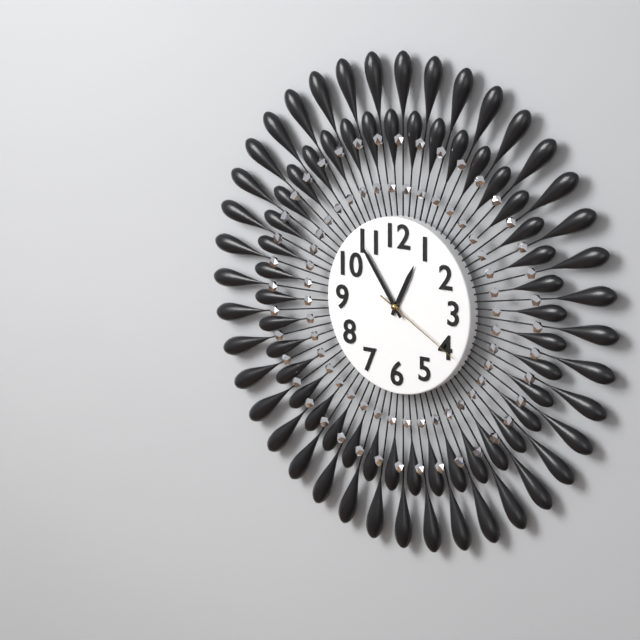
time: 12:54:20
